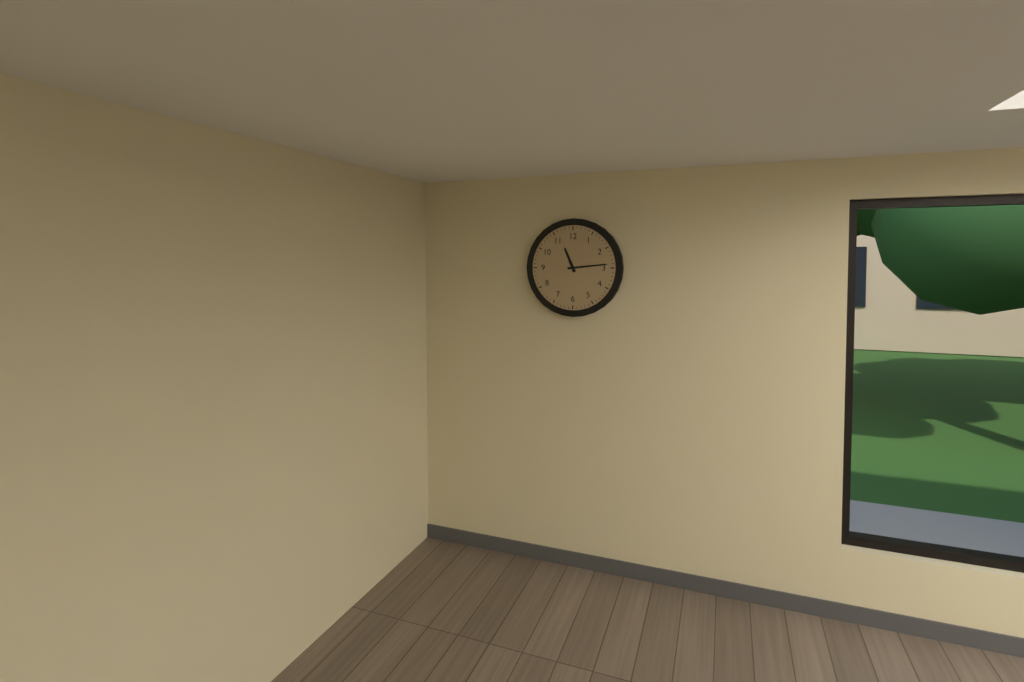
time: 11:14
